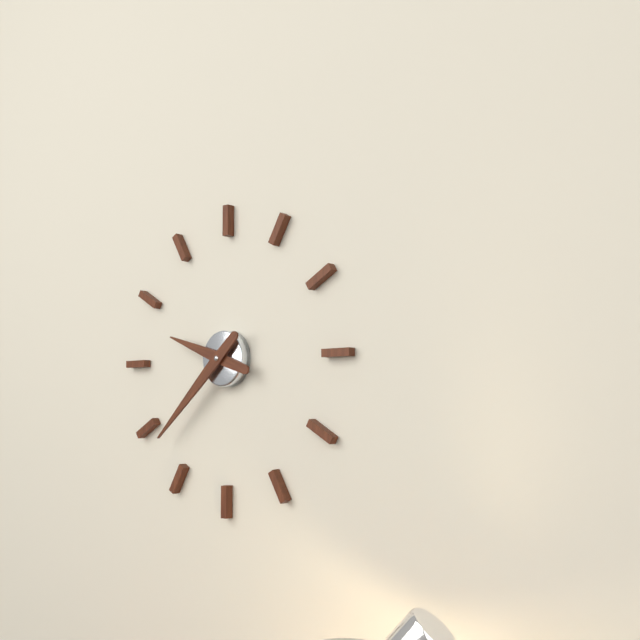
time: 9:38
